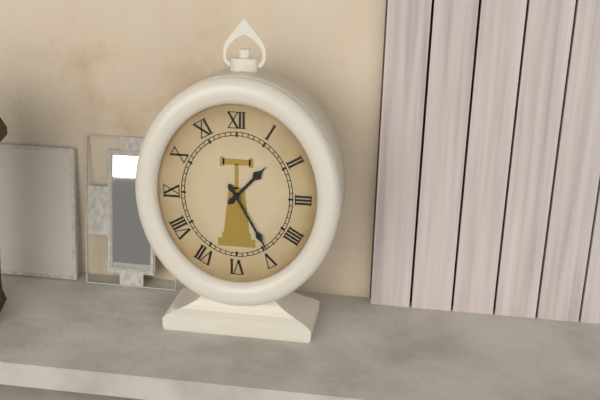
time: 1:25
